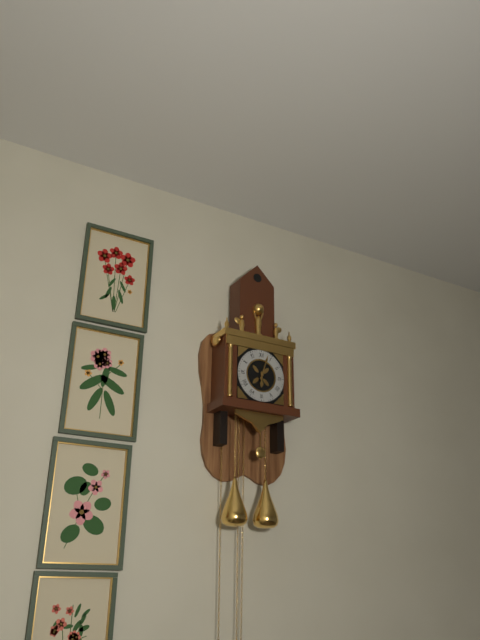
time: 6:03
